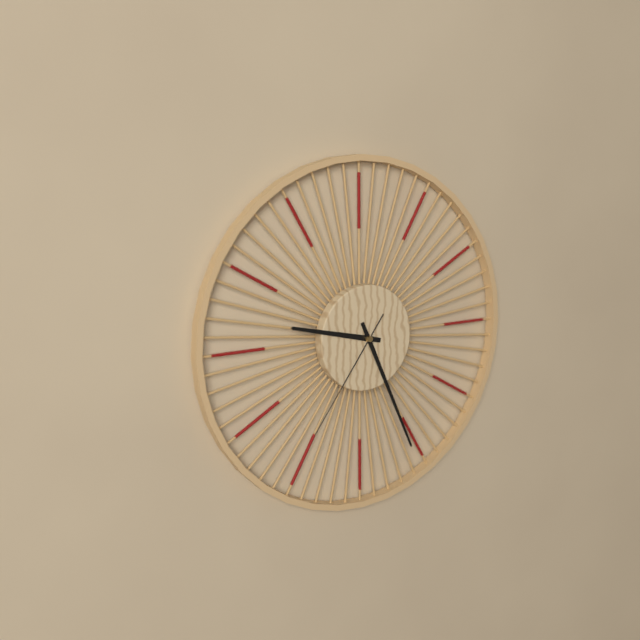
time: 9:26:36
